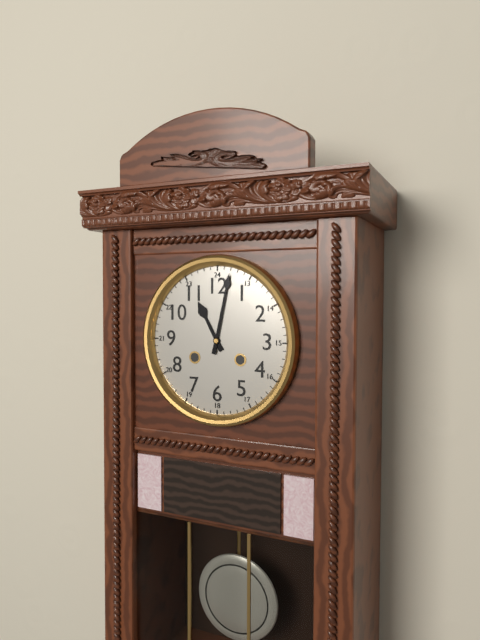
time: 11:02
